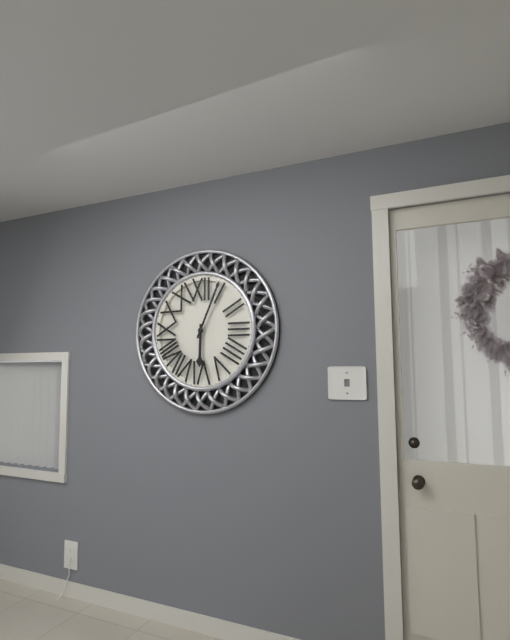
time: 6:04
